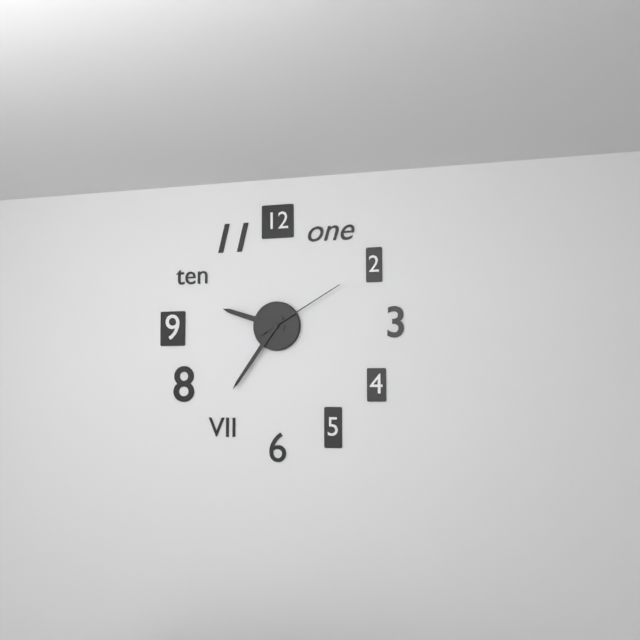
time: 9:36:10
